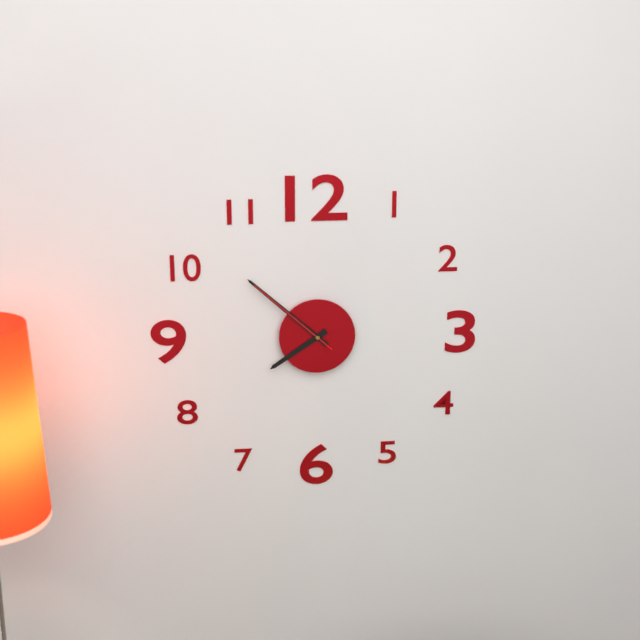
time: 7:52:52
